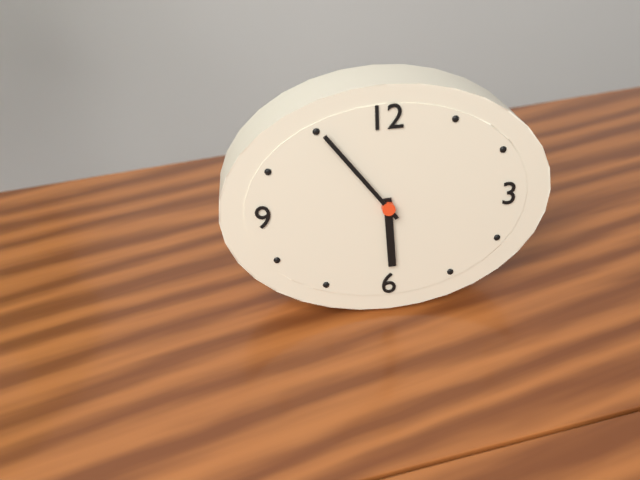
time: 5:54
